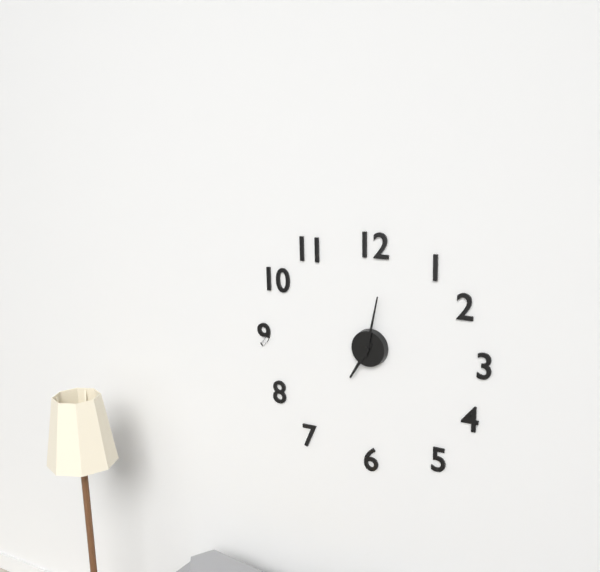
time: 7:02
